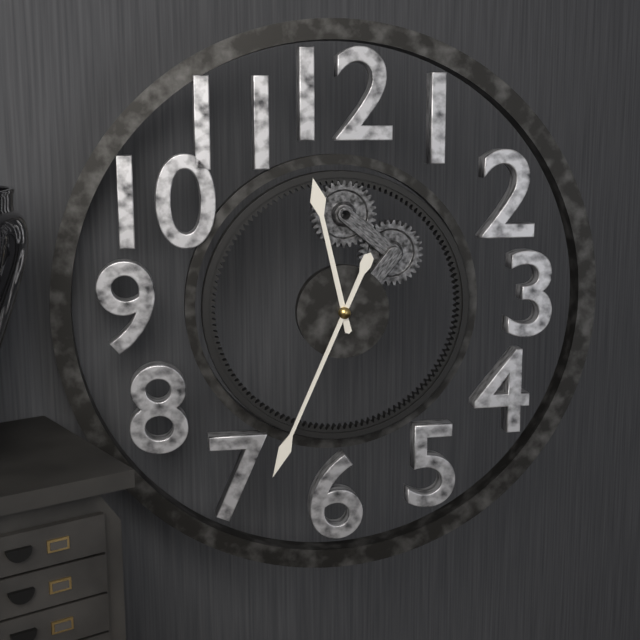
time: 11:34
